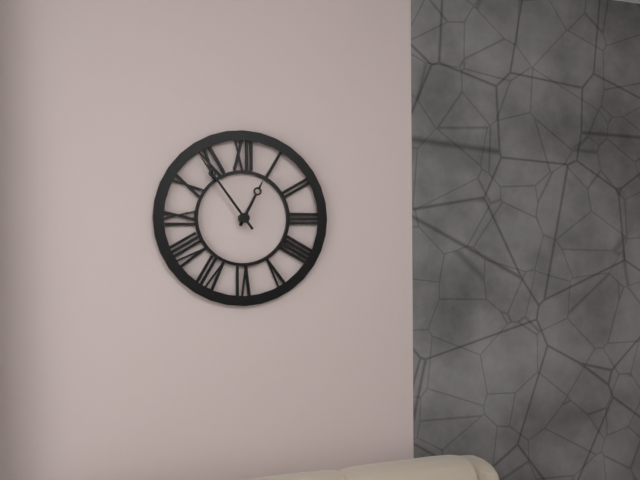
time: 12:54
